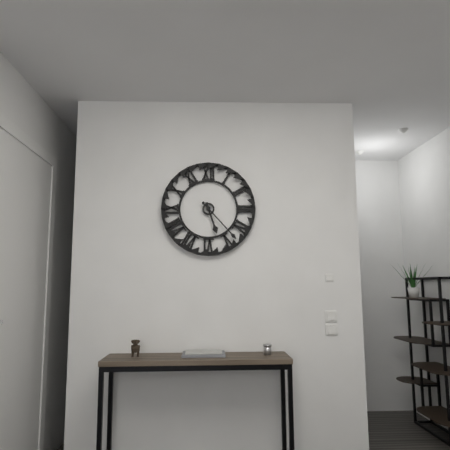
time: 5:23
